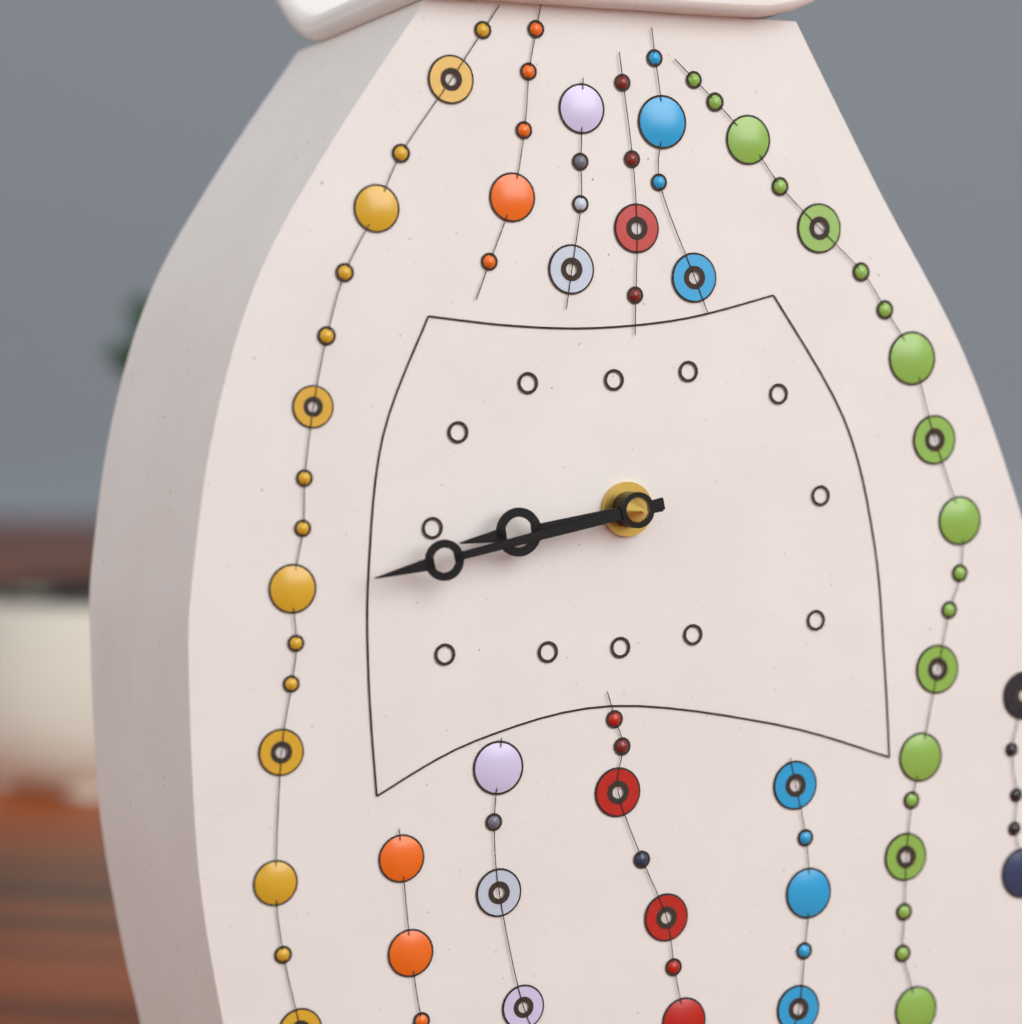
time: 8:43
